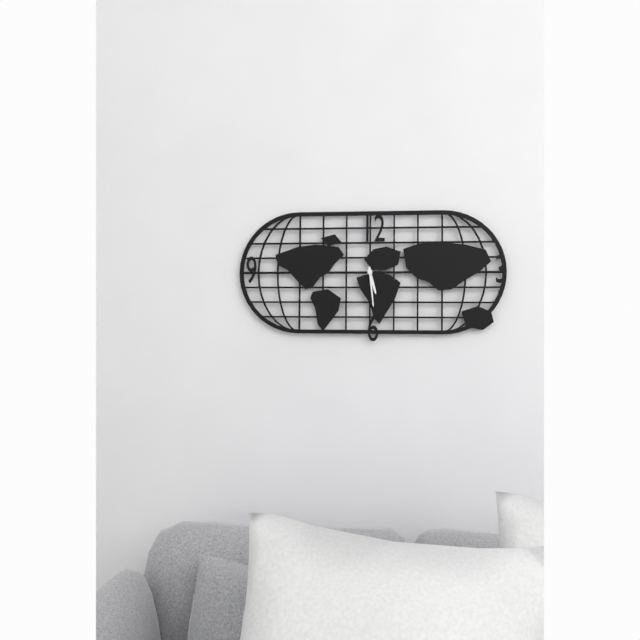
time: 5:29
